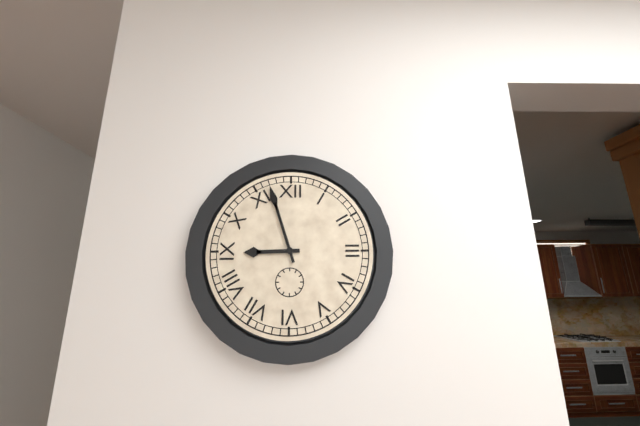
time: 8:57
